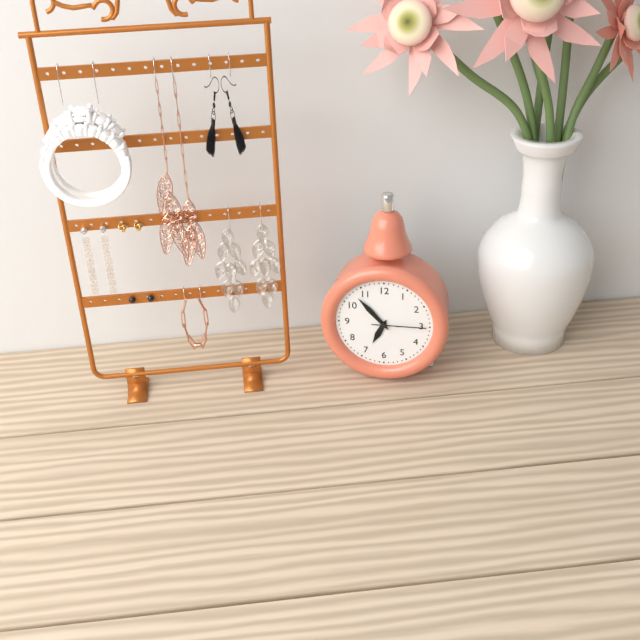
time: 6:53:15
